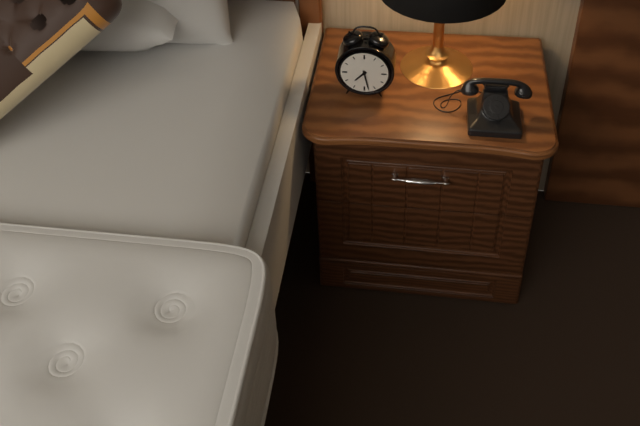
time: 7:28
